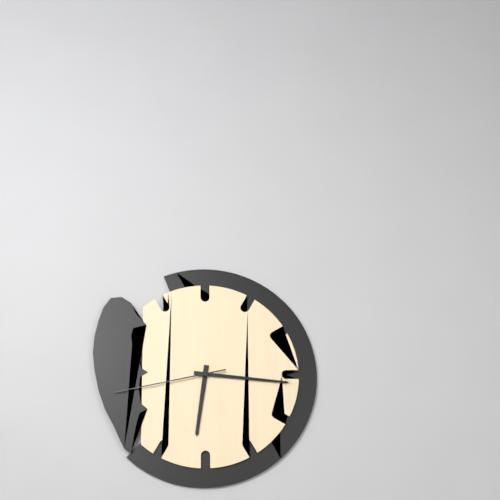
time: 6:16:43
